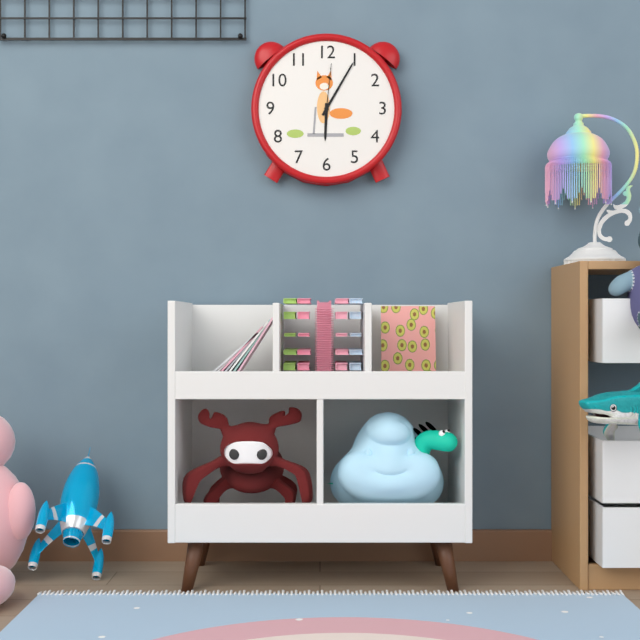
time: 6:05:01
